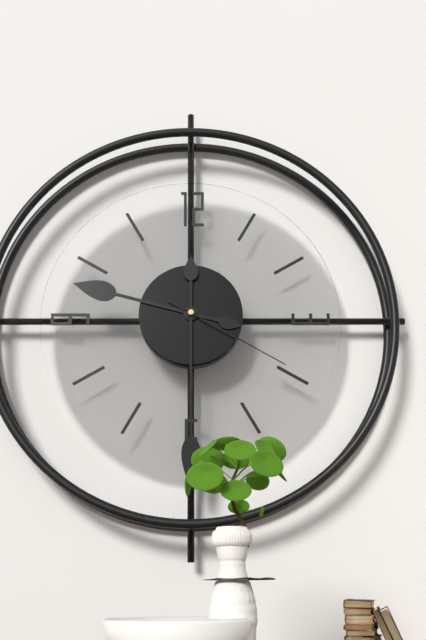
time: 9:30:20
